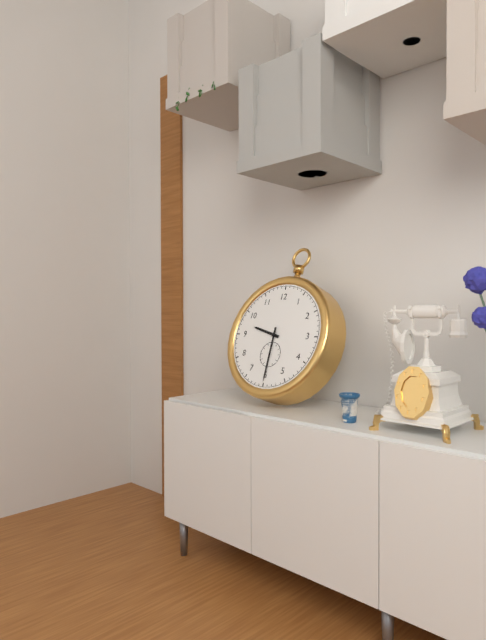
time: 9:30
